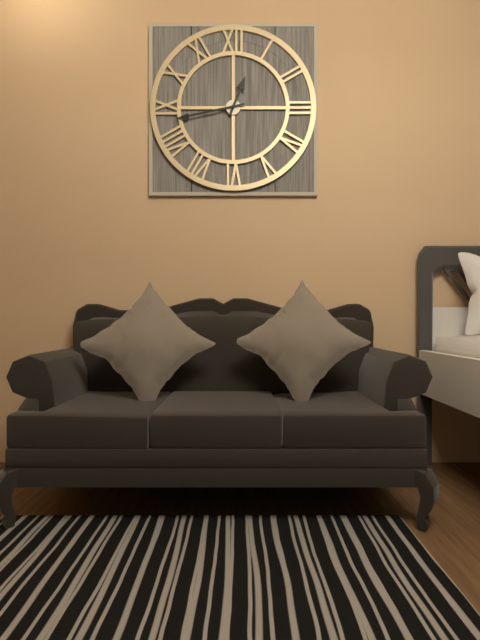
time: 12:43
